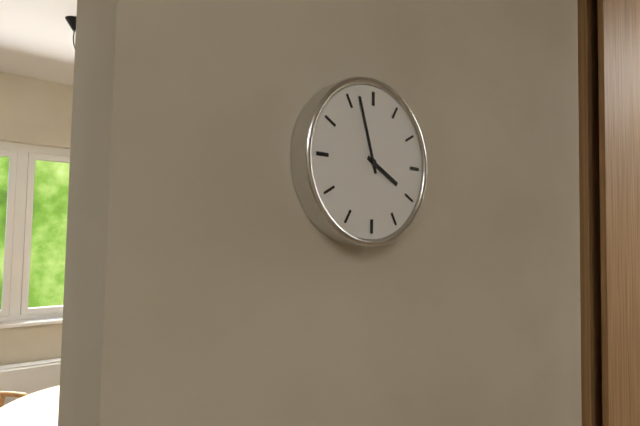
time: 3:57
